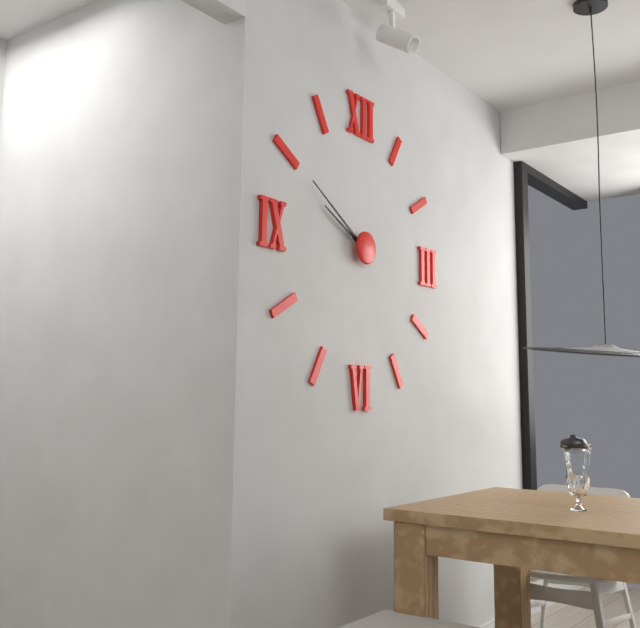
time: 9:50
